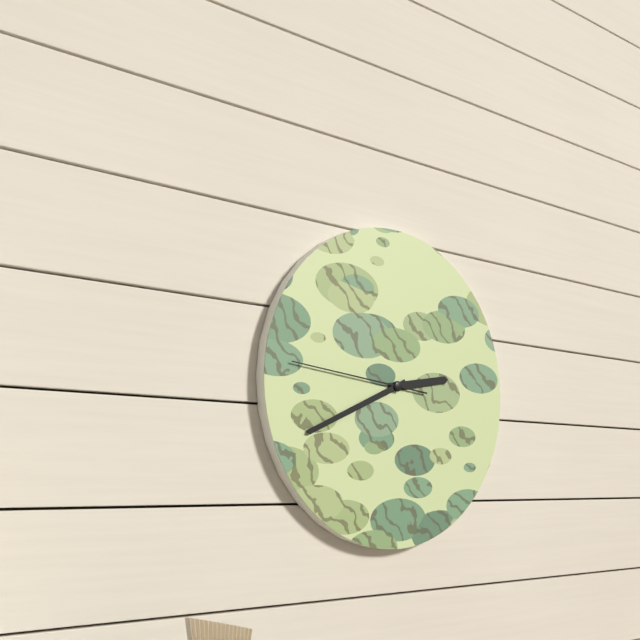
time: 2:41:46
